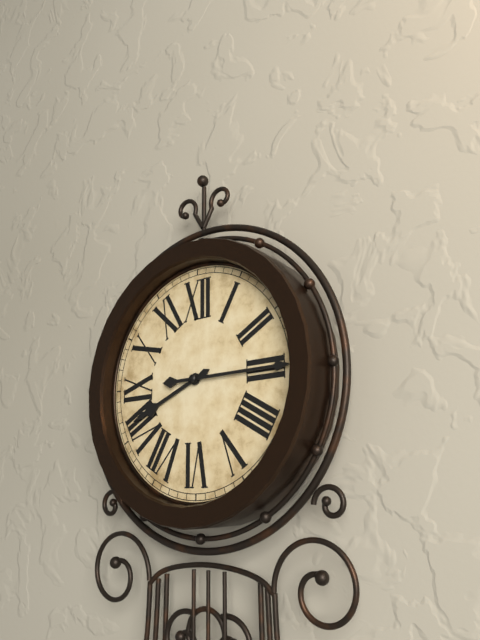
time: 8:15
